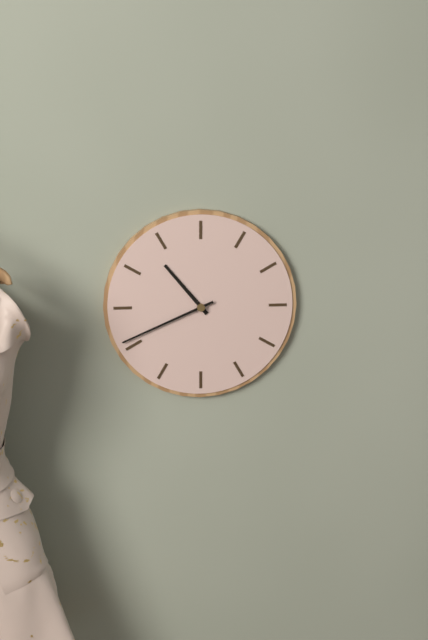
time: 10:41
